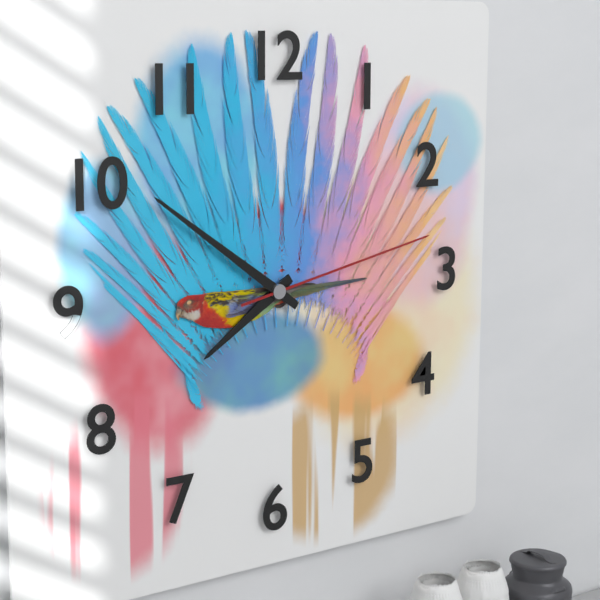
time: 7:51:13
